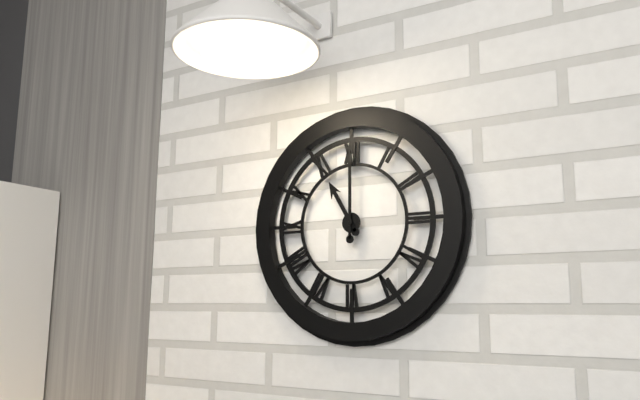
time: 11:00
